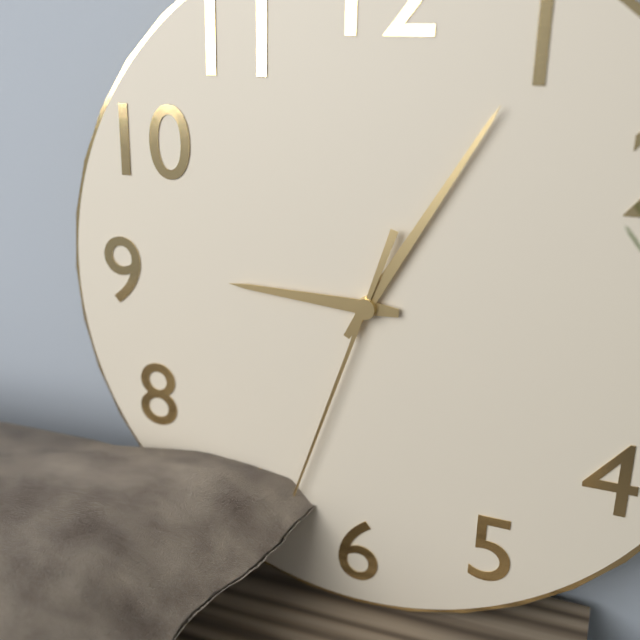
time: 9:05:33
